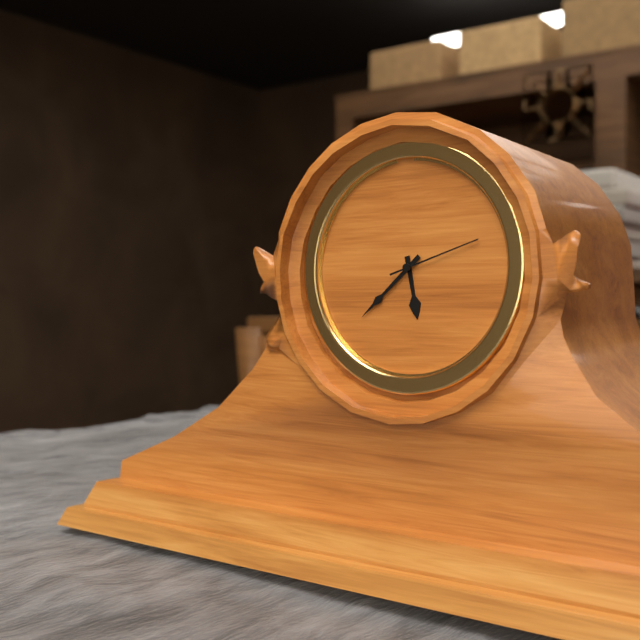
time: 5:38:12
